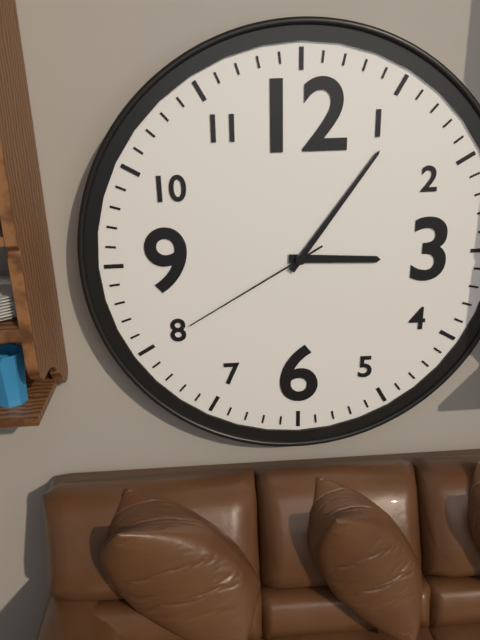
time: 3:06:40
